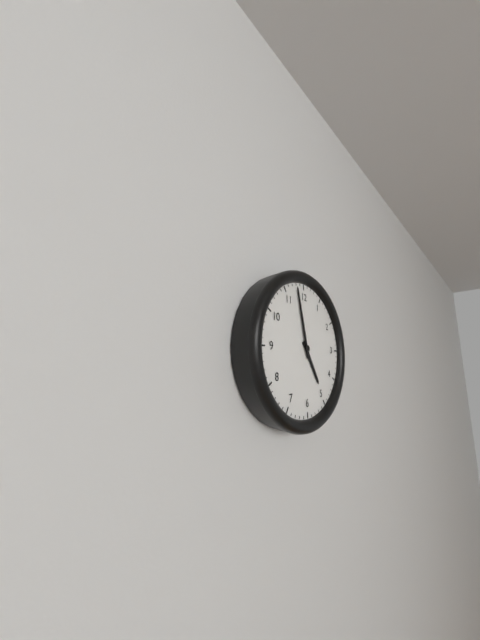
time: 4:58
